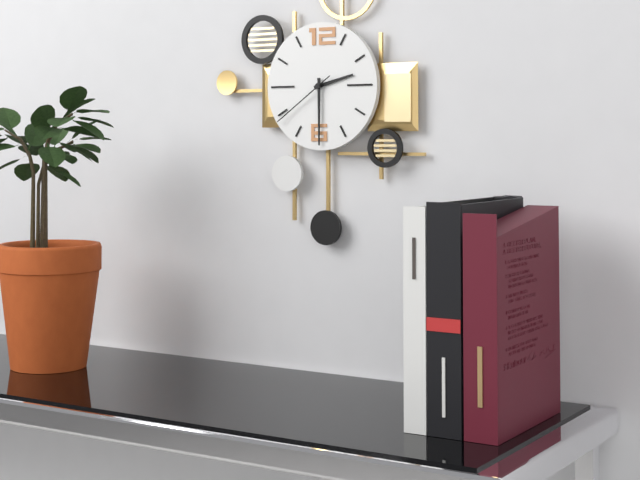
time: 2:30:39
